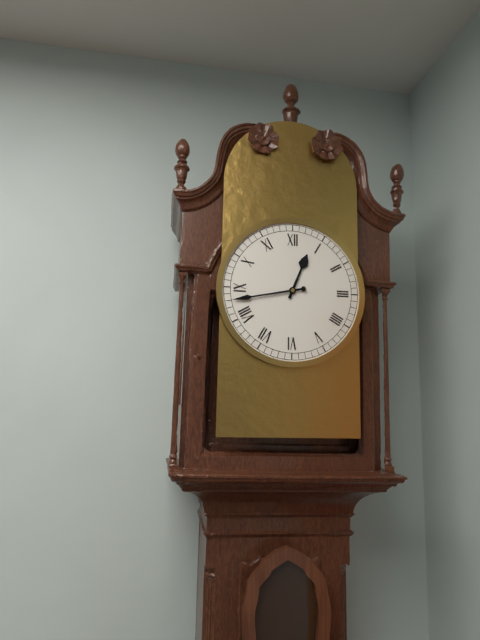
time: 12:43
